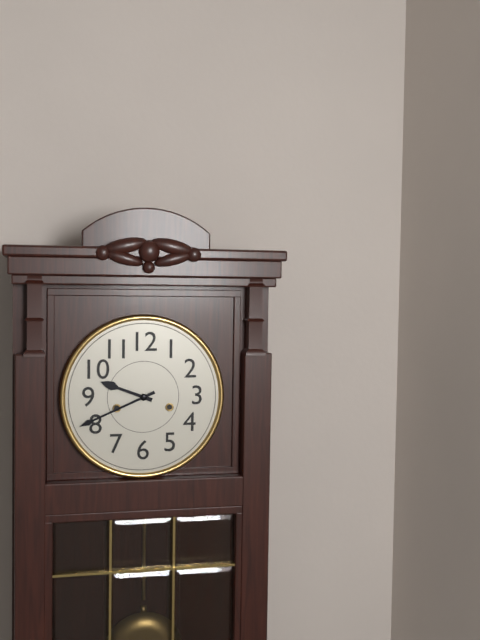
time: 9:41
